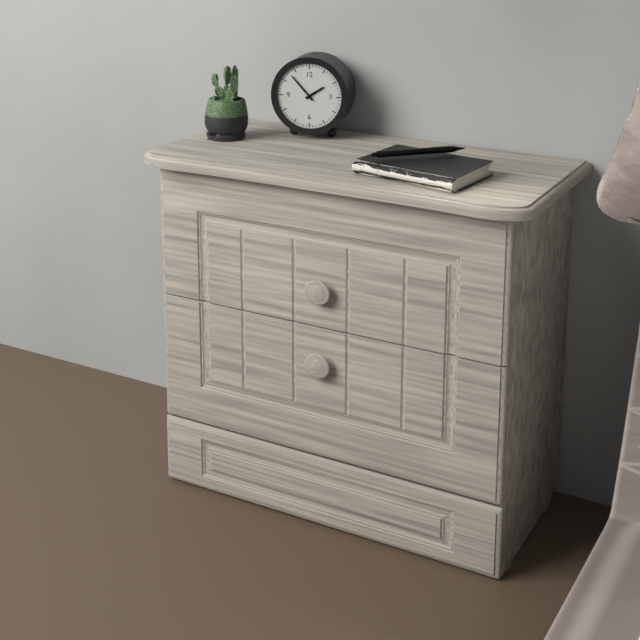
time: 1:53
